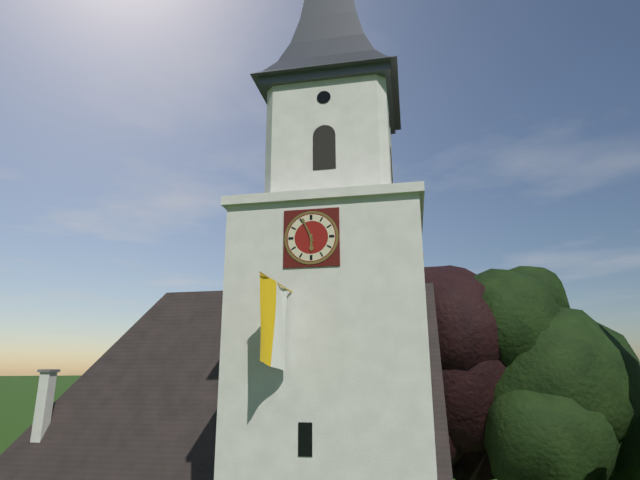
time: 5:56
